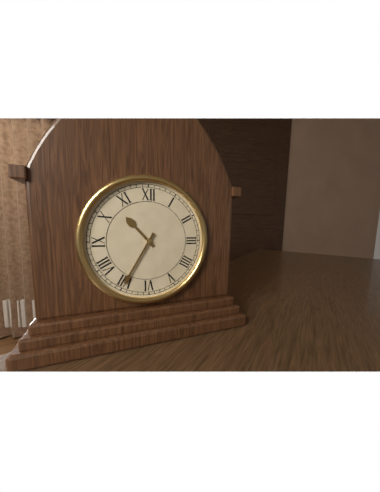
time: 10:35
